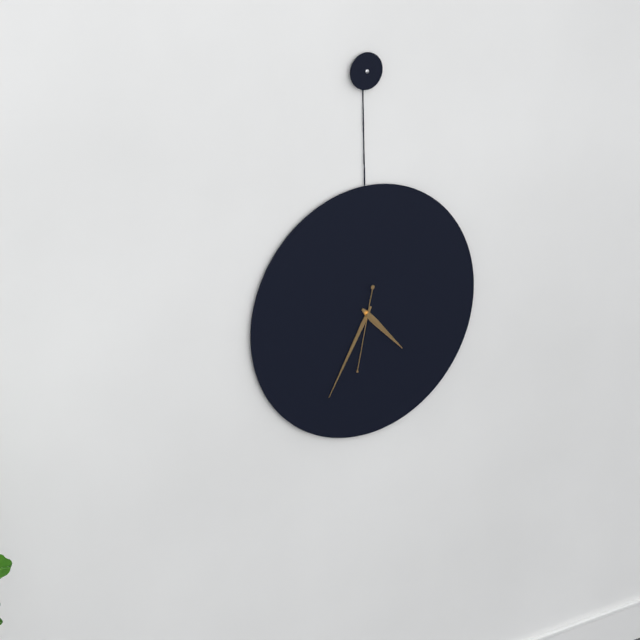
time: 4:35:32
